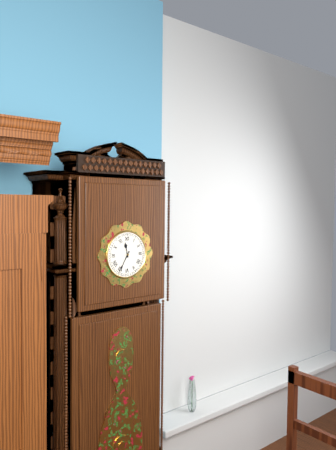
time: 11:35
